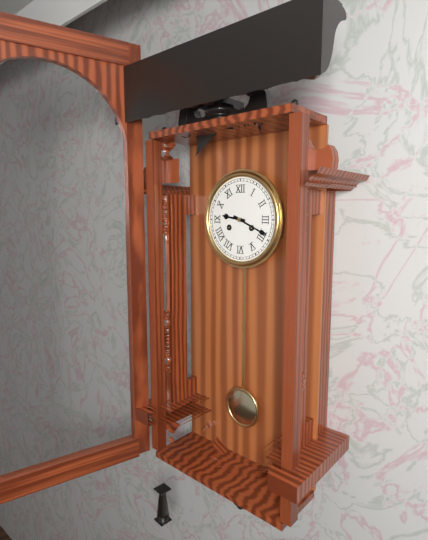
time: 9:19
